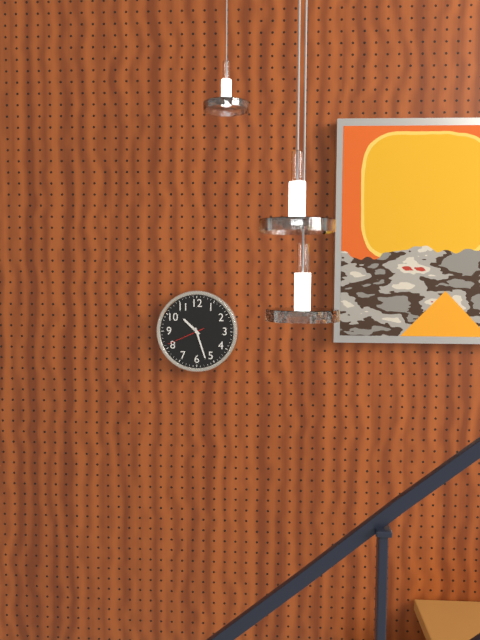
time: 10:27
